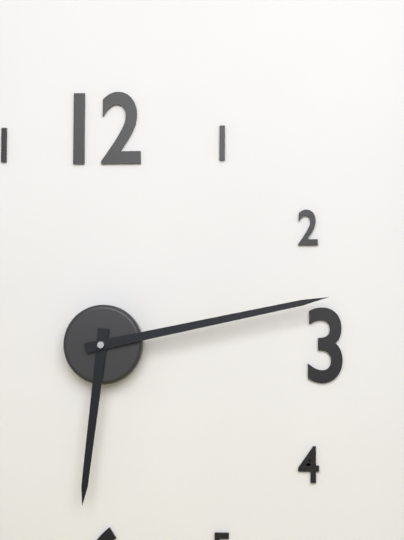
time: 6:13
